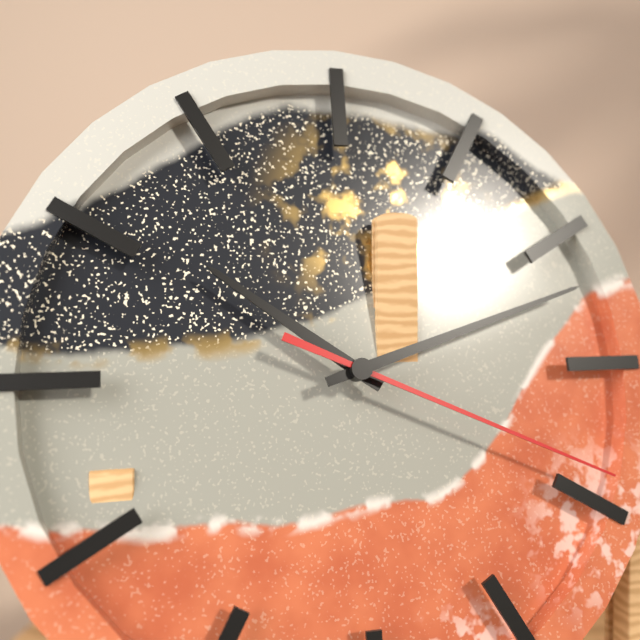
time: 10:12:19
